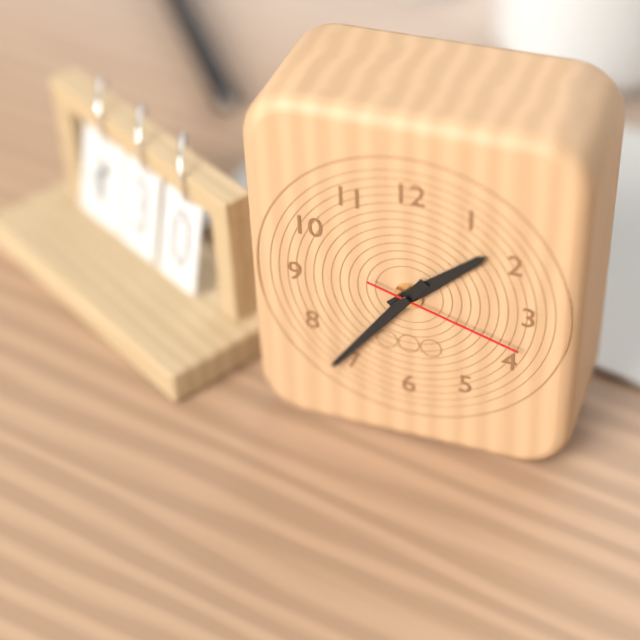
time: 1:36:18
